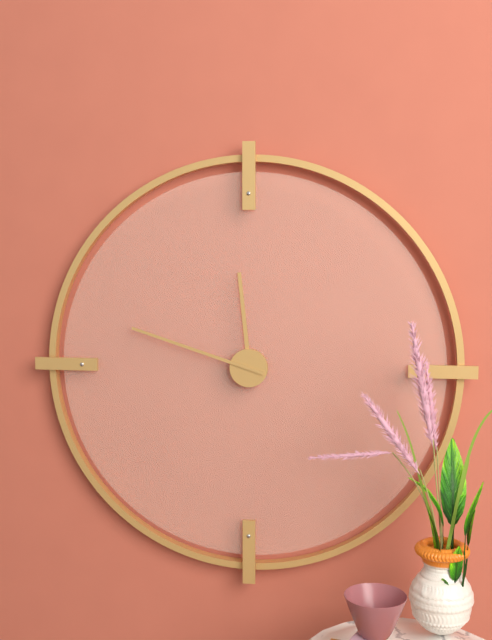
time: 11:48
